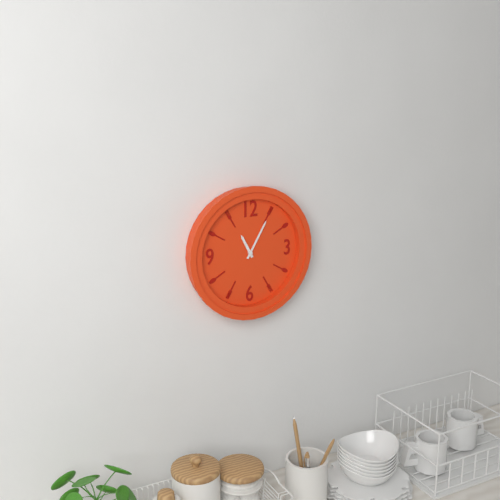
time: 11:05
